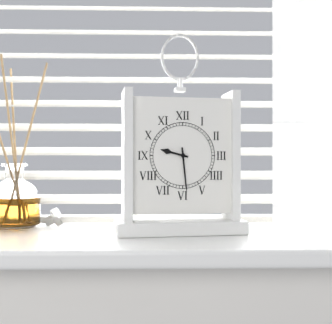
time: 9:29
